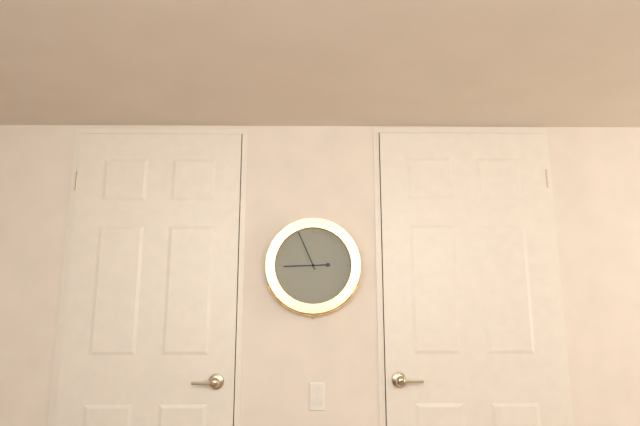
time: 8:56
